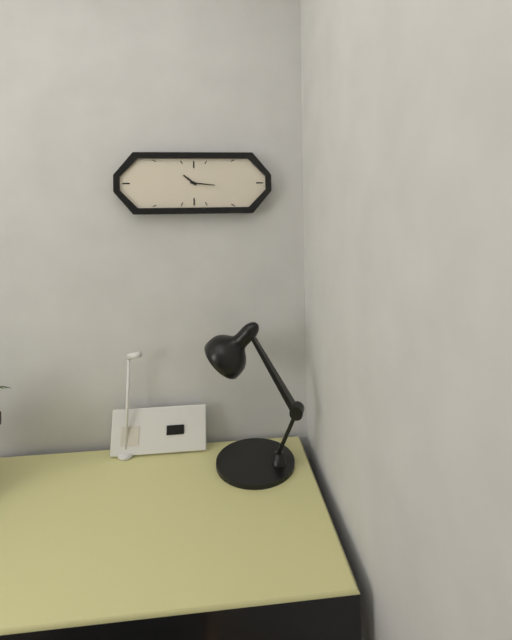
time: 10:16
